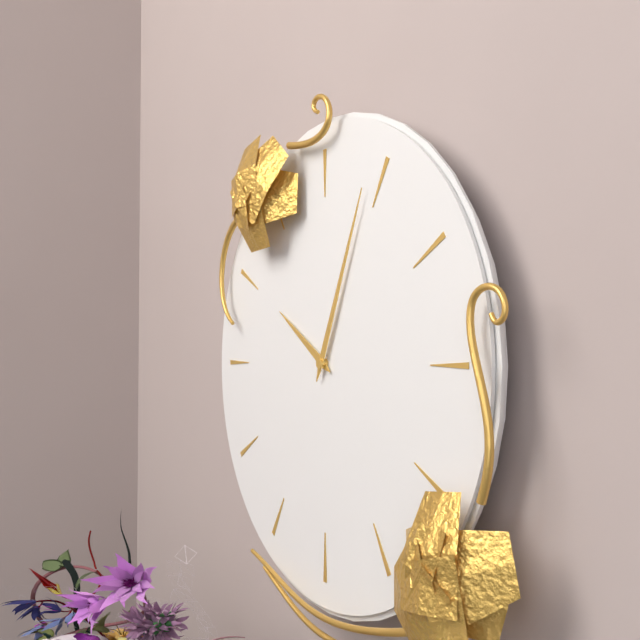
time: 10:04
